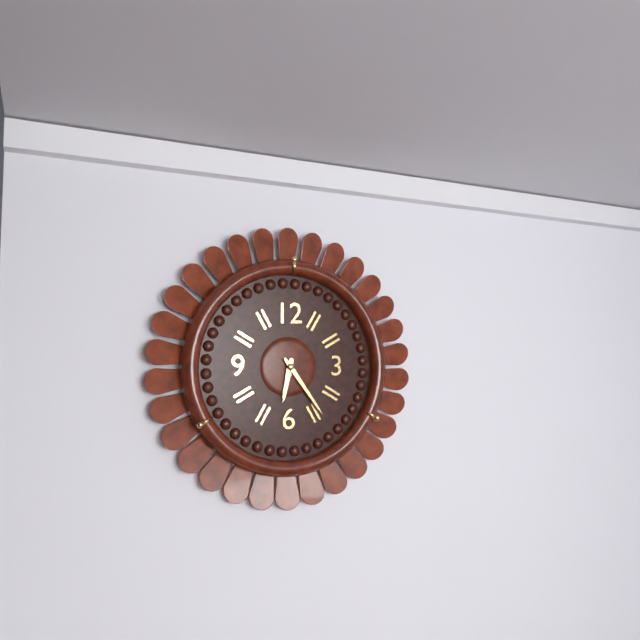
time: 6:24
